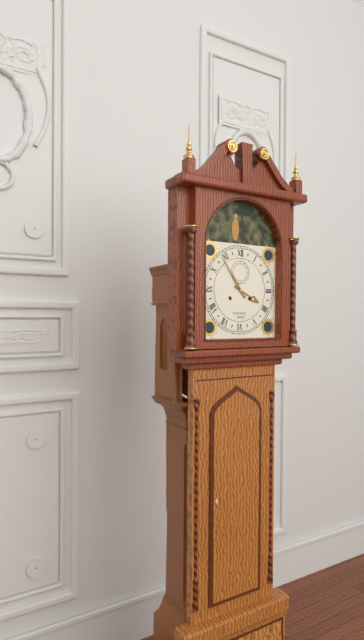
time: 3:54
